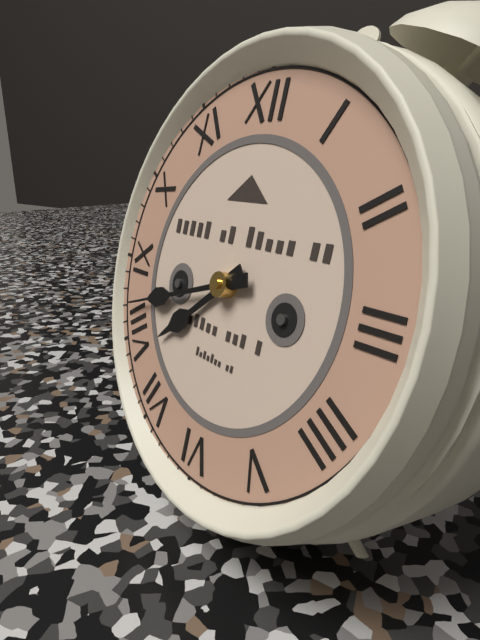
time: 7:42
